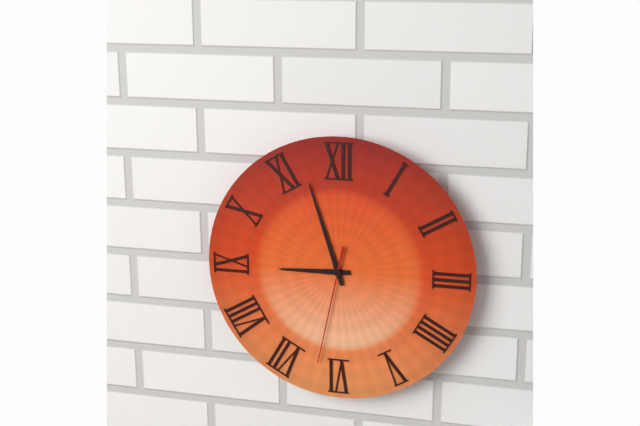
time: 8:57:32
